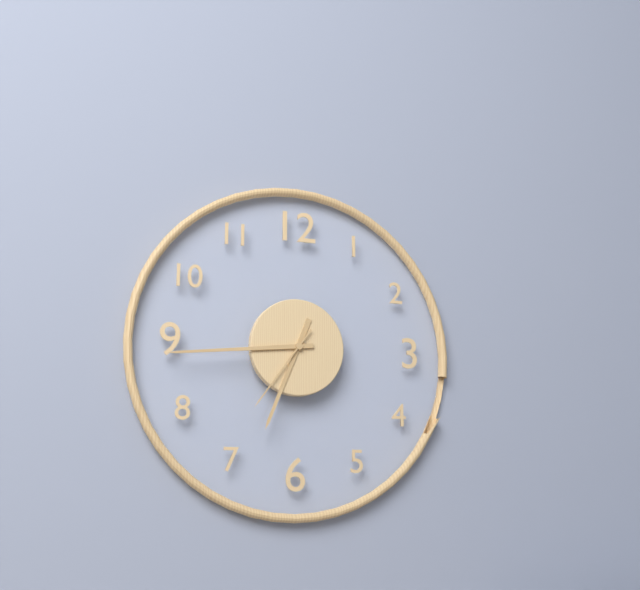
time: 6:44:36
